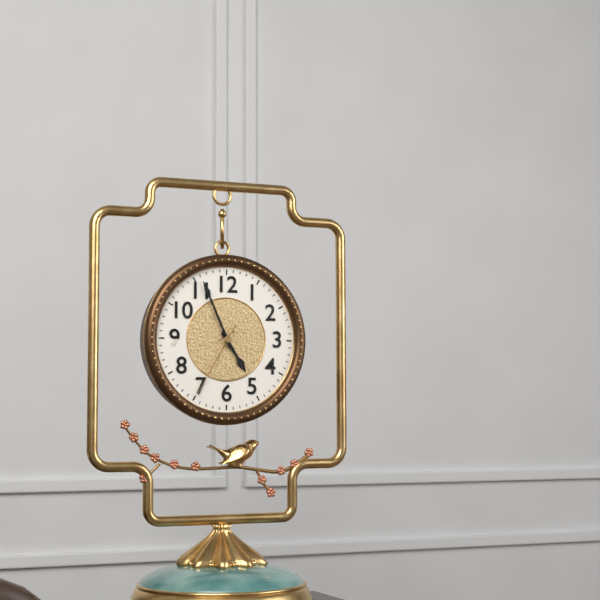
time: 4:56:35
